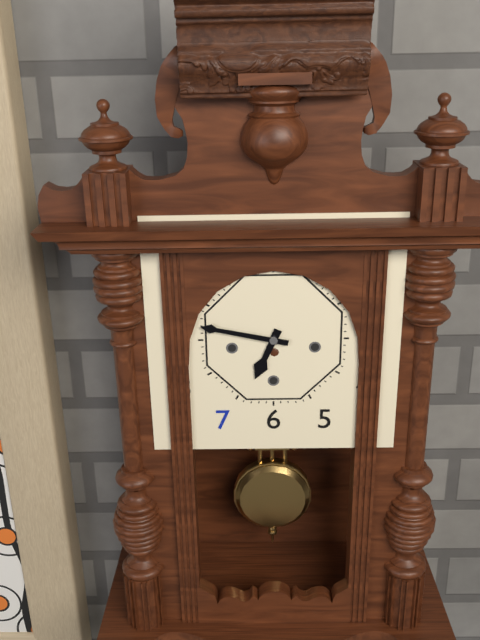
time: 6:47
